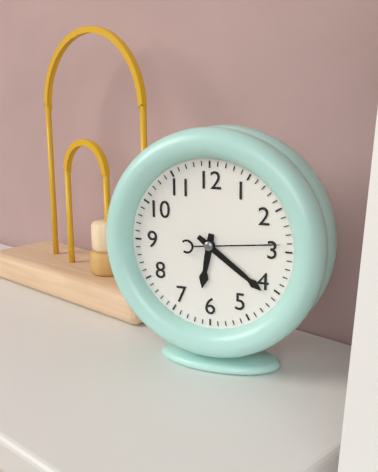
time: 6:21:14
